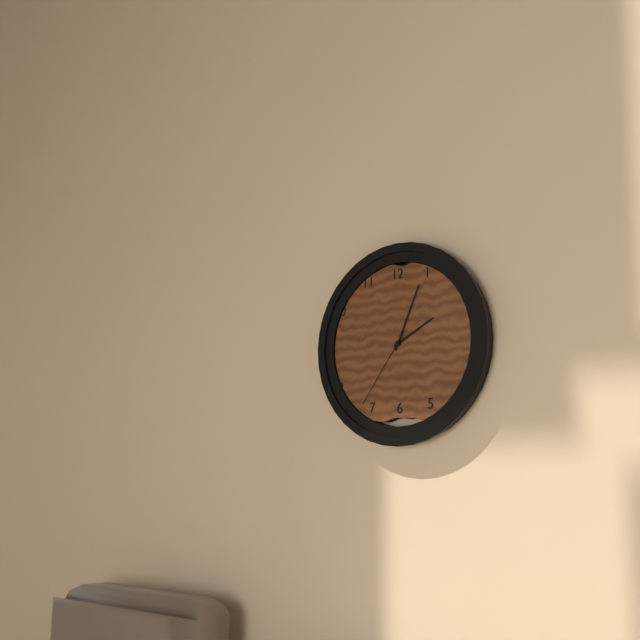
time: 2:04:36
